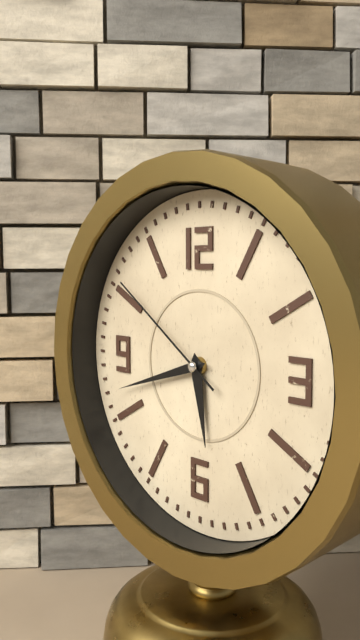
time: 5:42:51
